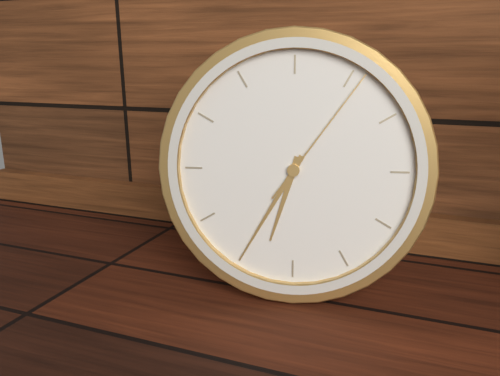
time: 6:35:06
